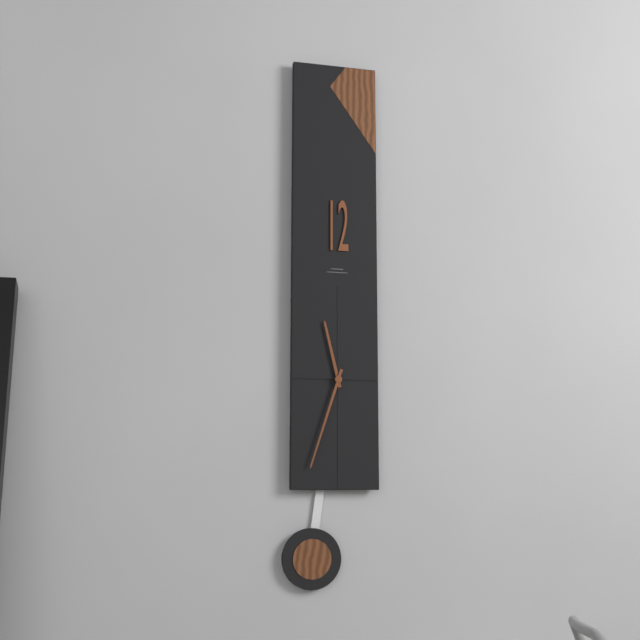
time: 11:33
